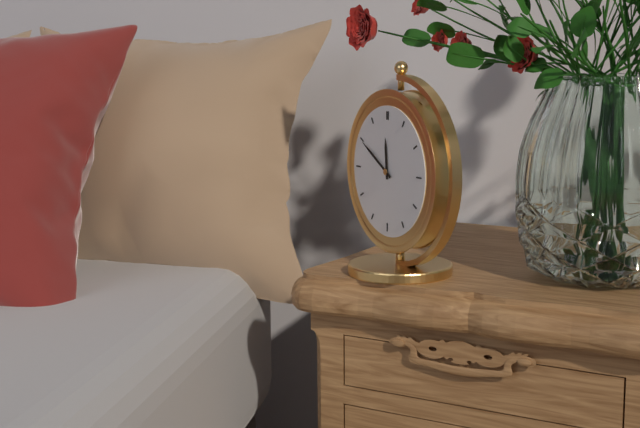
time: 11:50
